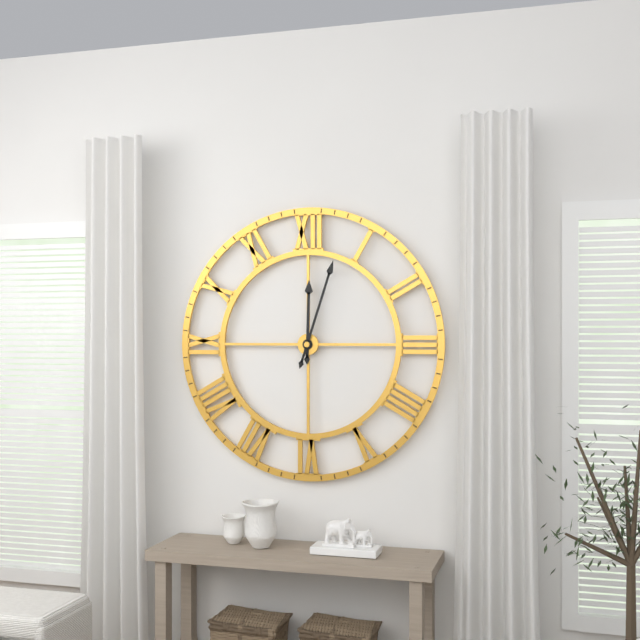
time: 12:03
